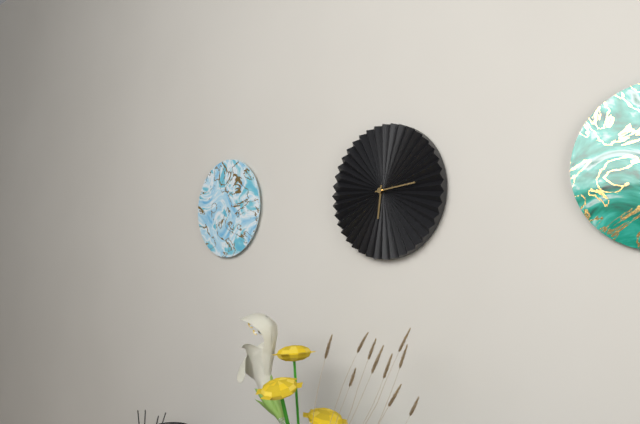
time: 6:14
